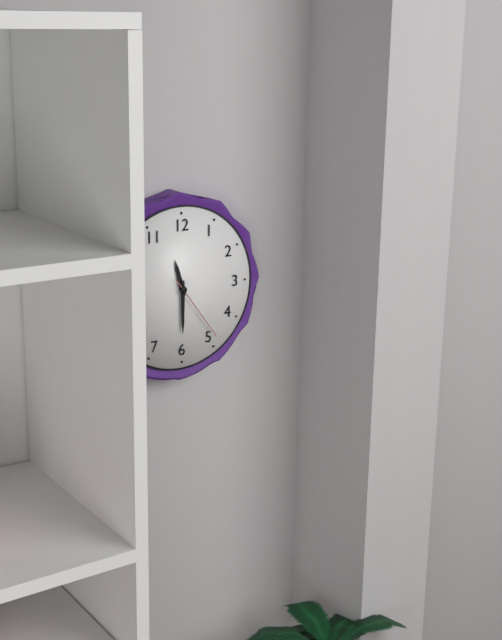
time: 11:30:24
